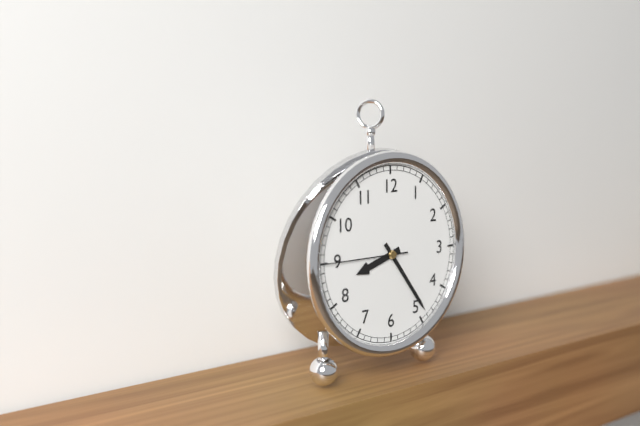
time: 8:24:45
